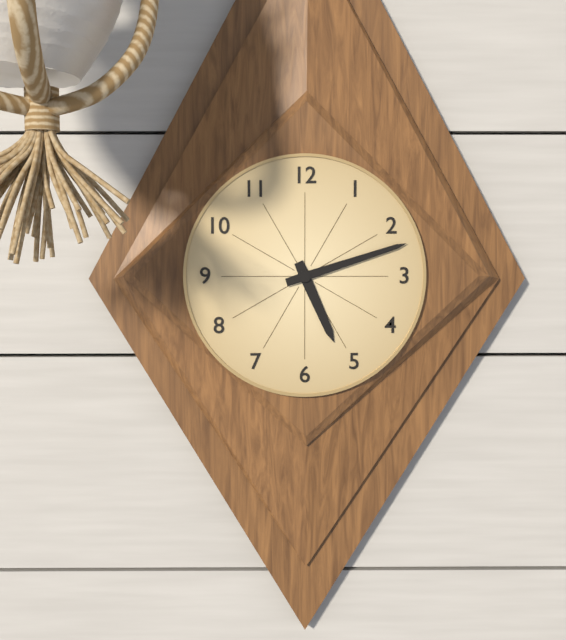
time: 5:12
